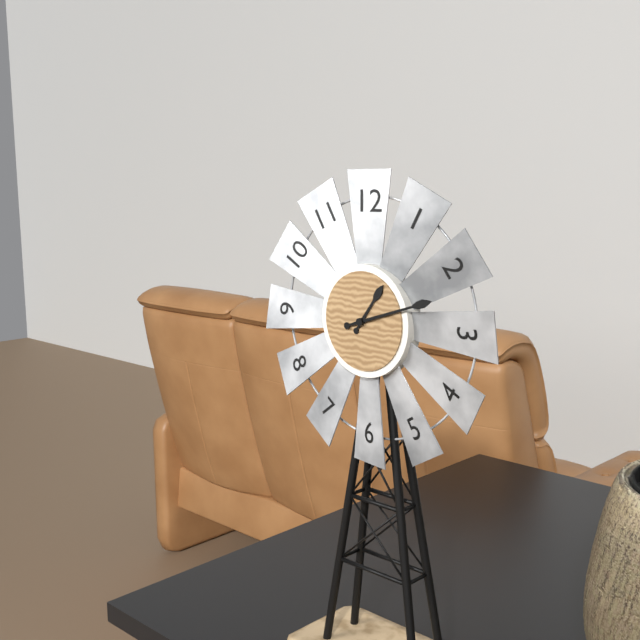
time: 1:12
